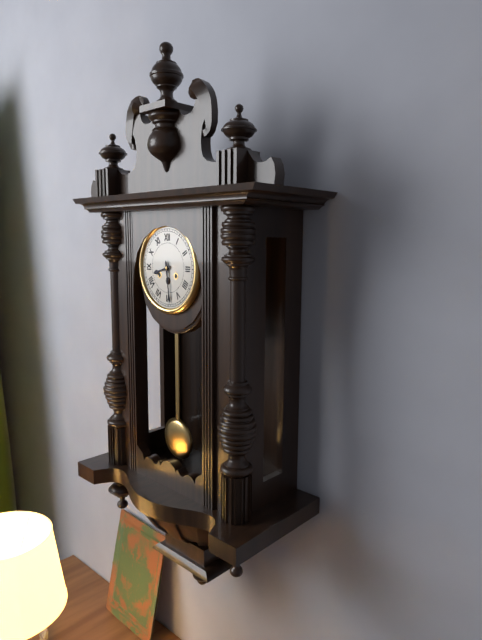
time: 8:29
